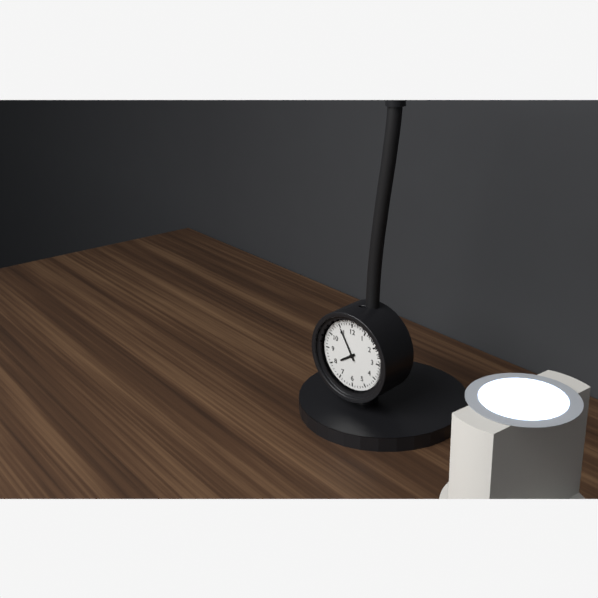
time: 7:55
